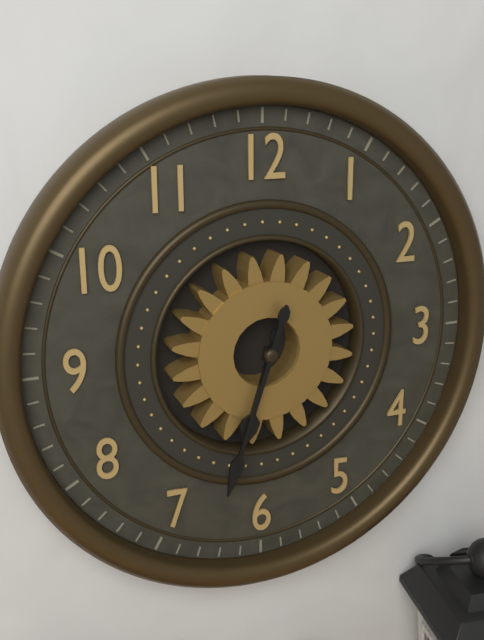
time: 6:33
